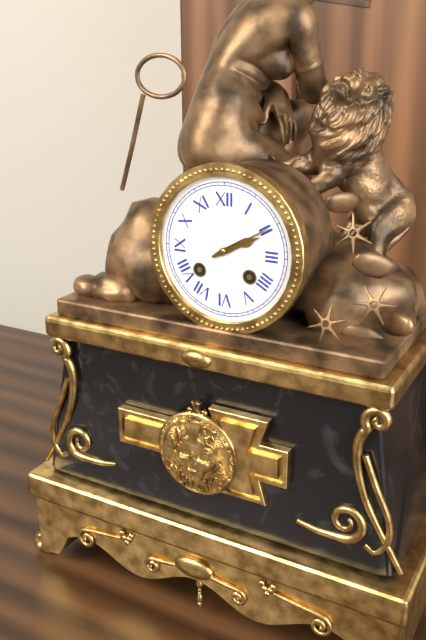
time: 2:10
